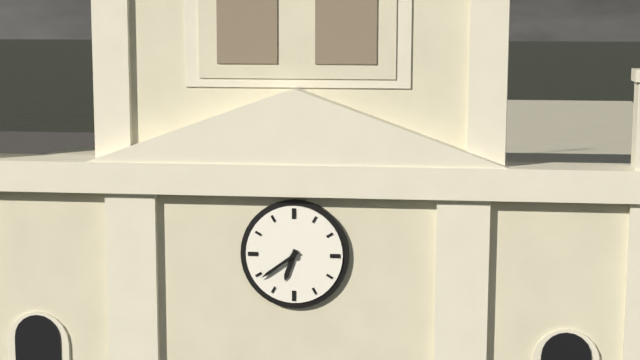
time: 6:39
